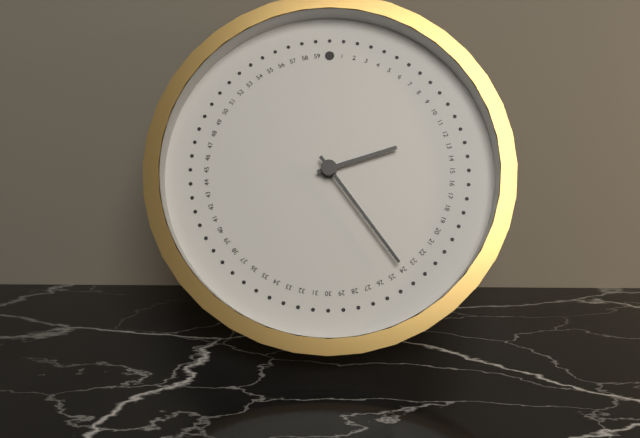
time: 2:24
